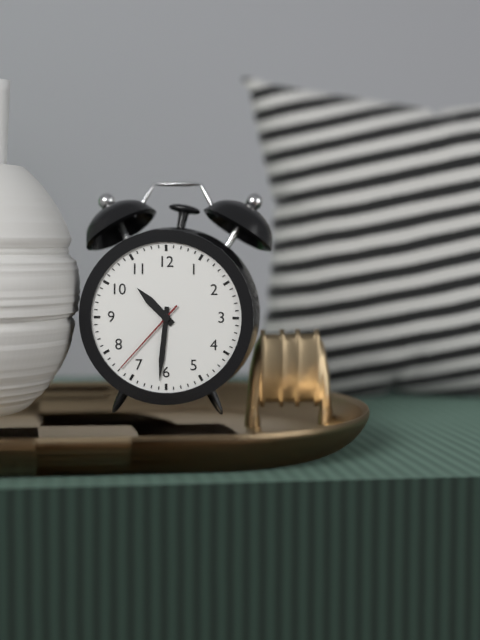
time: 10:31:37
